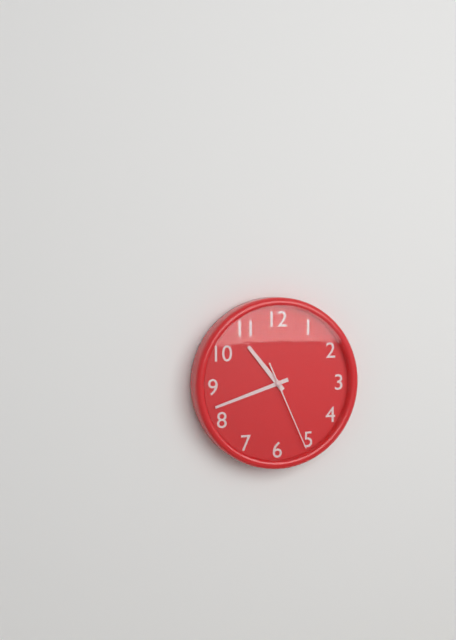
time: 10:42:26
